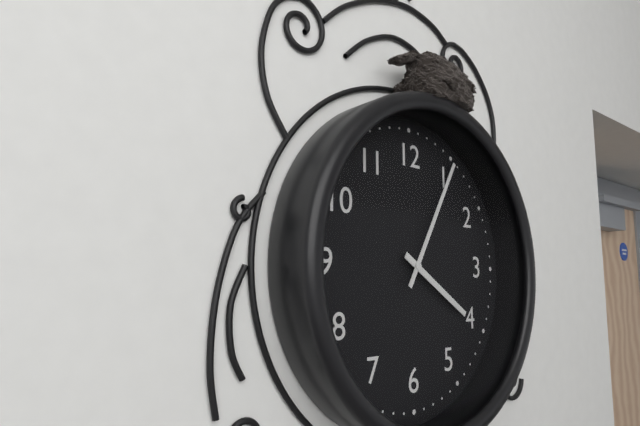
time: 4:05
